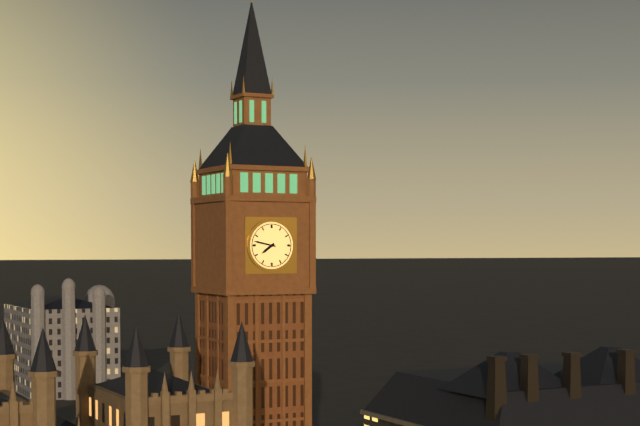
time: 7:47
